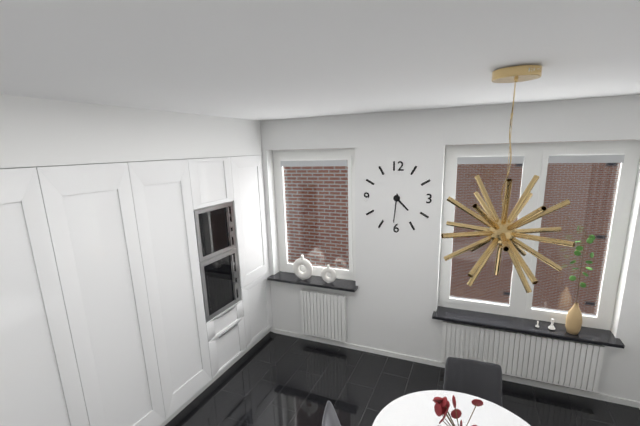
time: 4:31
